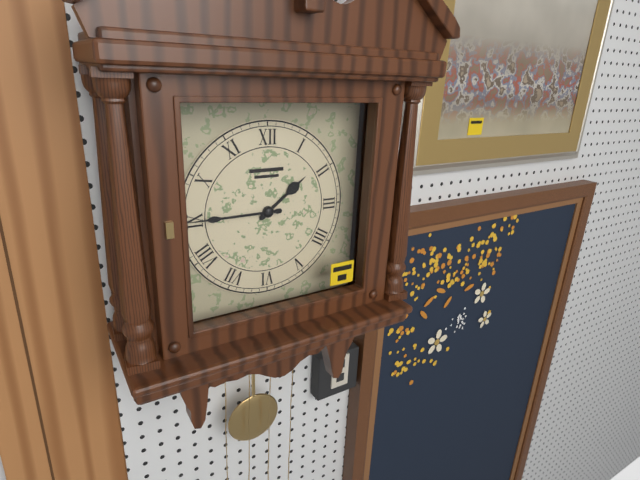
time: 1:45
